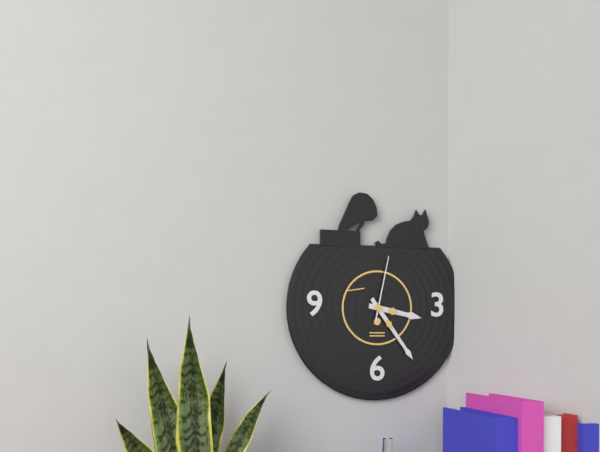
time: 3:24:02
